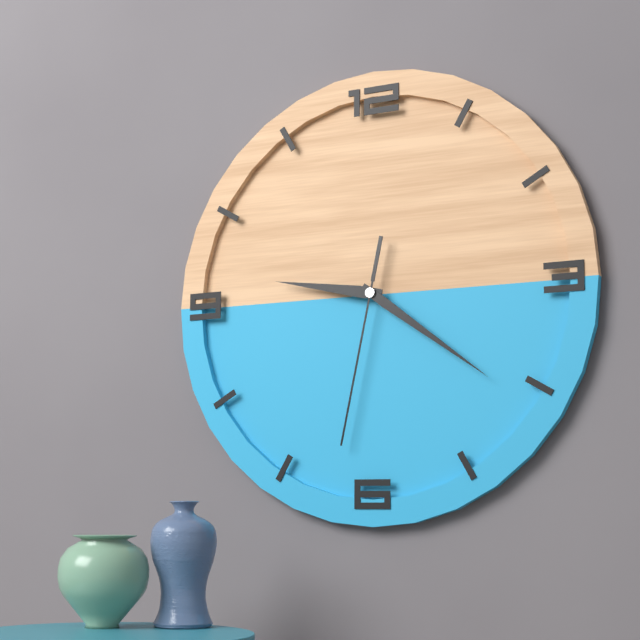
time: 9:21:32
